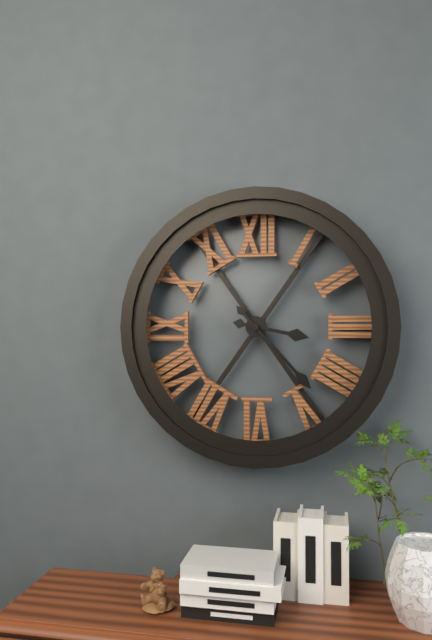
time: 3:23
